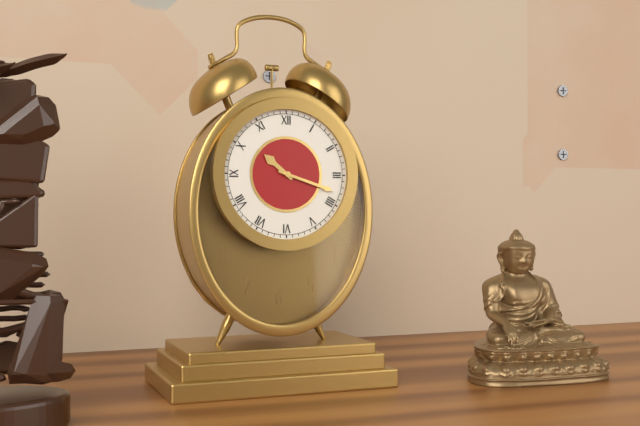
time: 10:18
